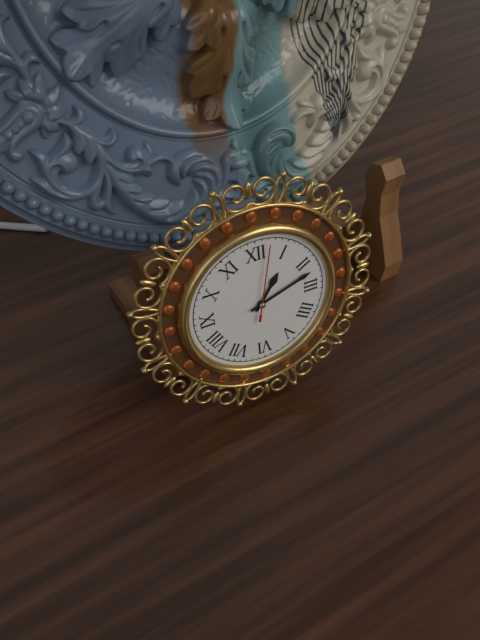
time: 1:12:02
